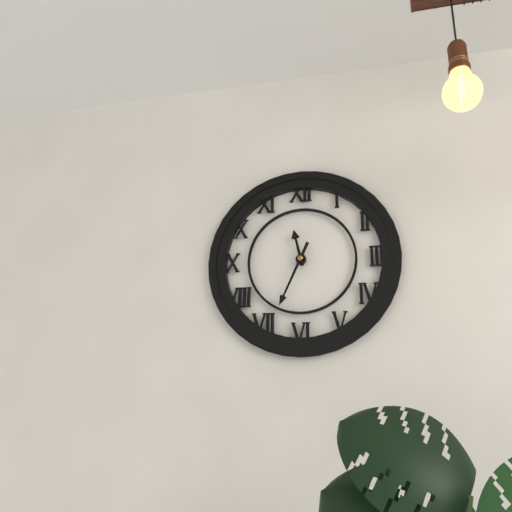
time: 11:34
